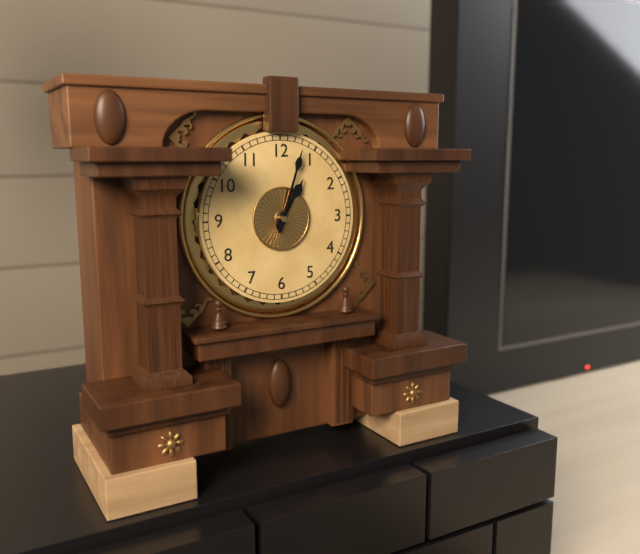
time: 1:03
